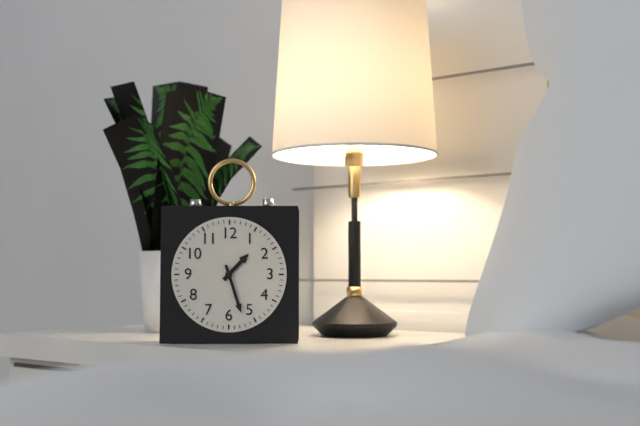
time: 1:27
